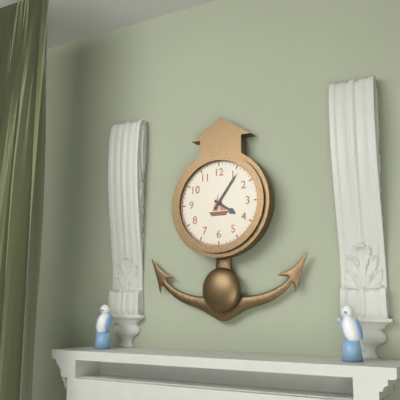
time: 4:06
